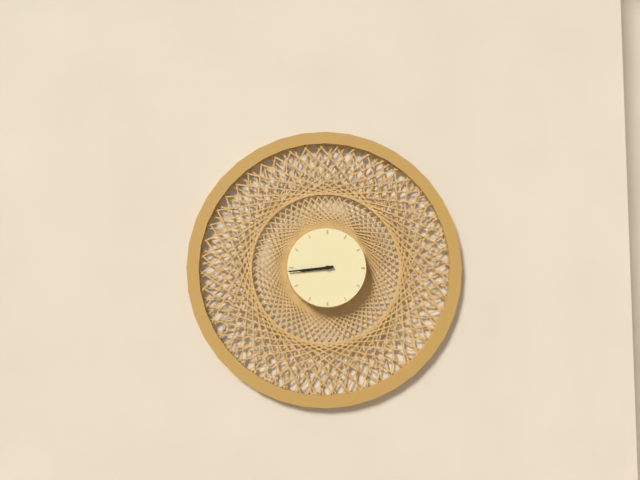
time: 8:44
